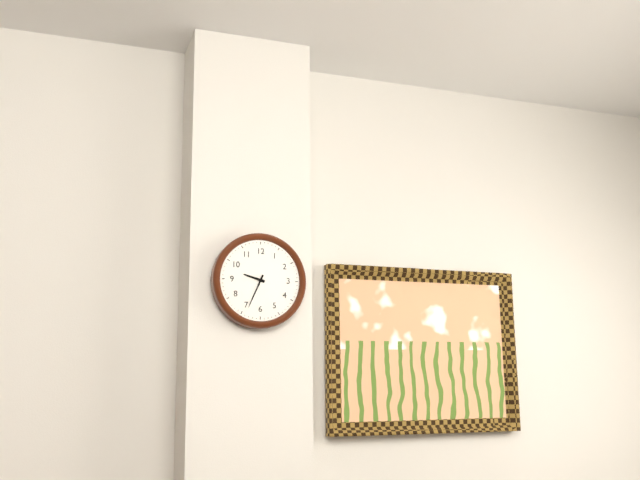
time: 9:34
